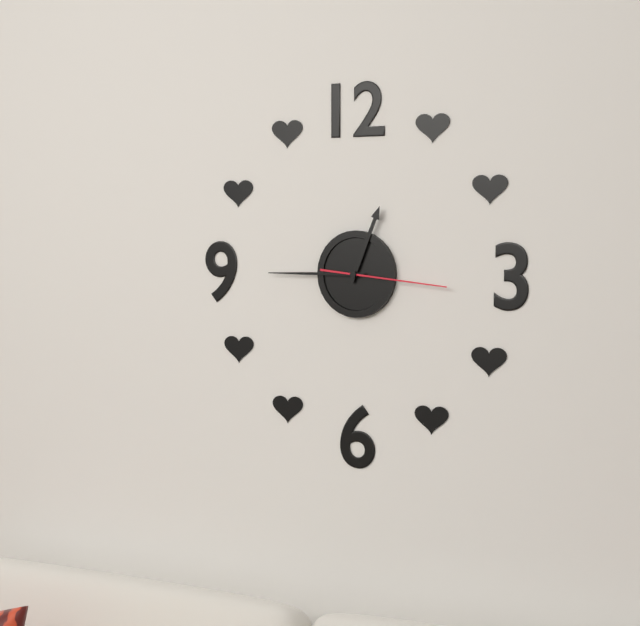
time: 12:45:16
